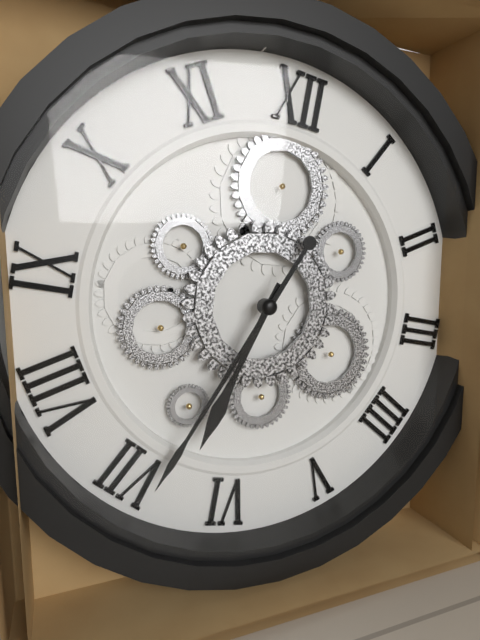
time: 6:34
